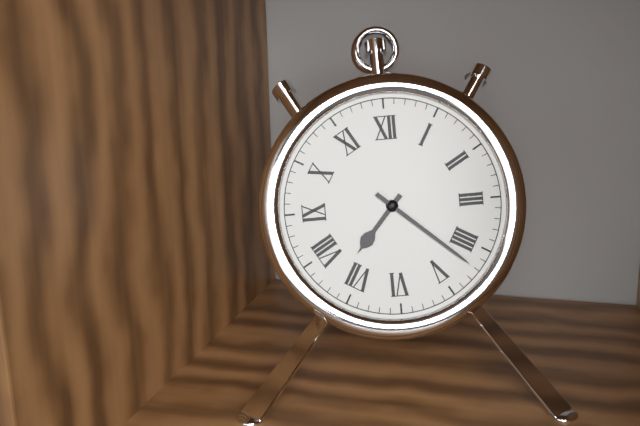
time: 7:22
